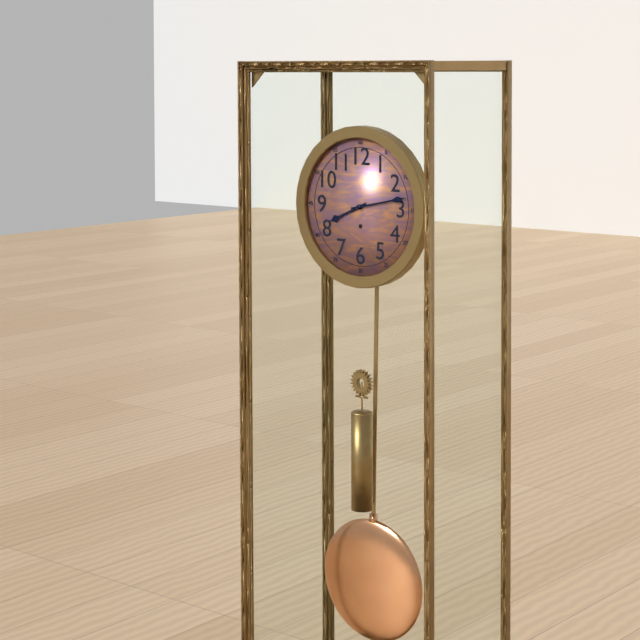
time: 8:13
